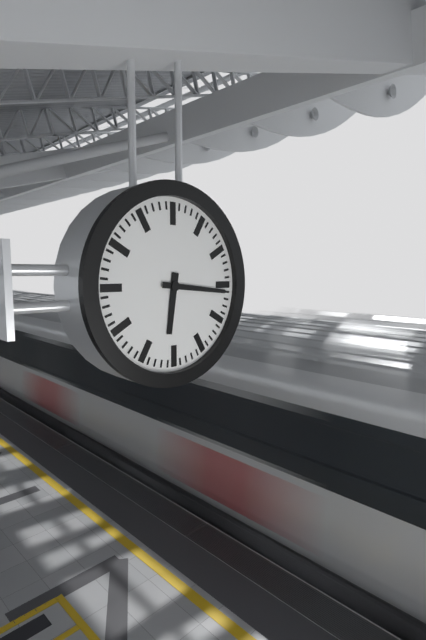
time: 6:16
